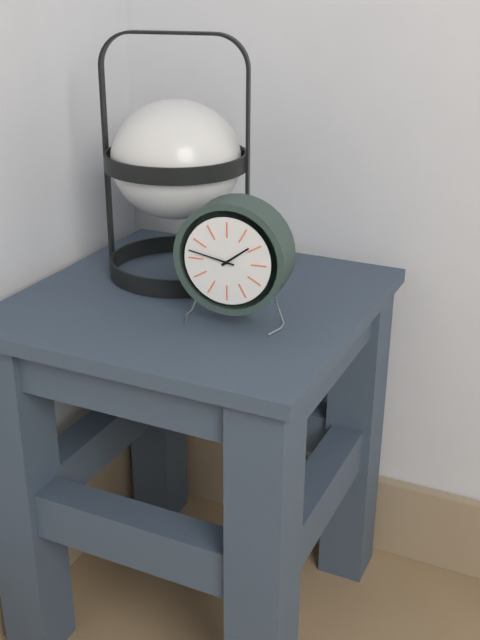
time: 1:47
